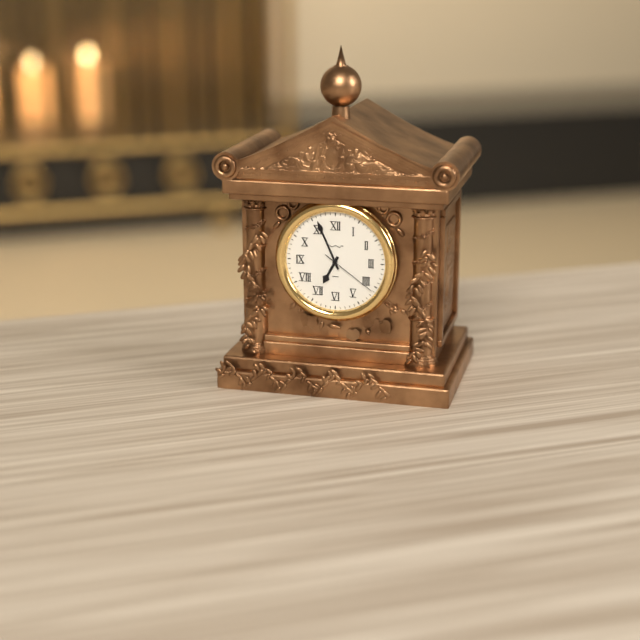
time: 6:56:21
